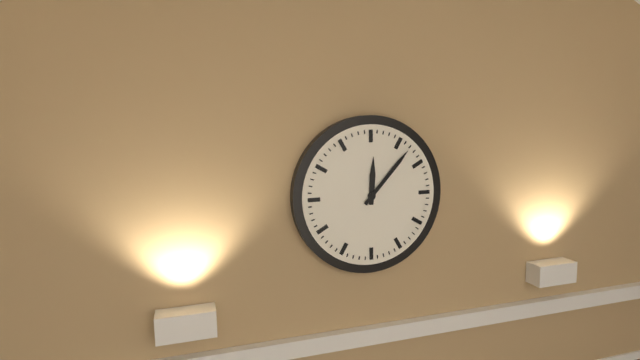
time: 12:07
